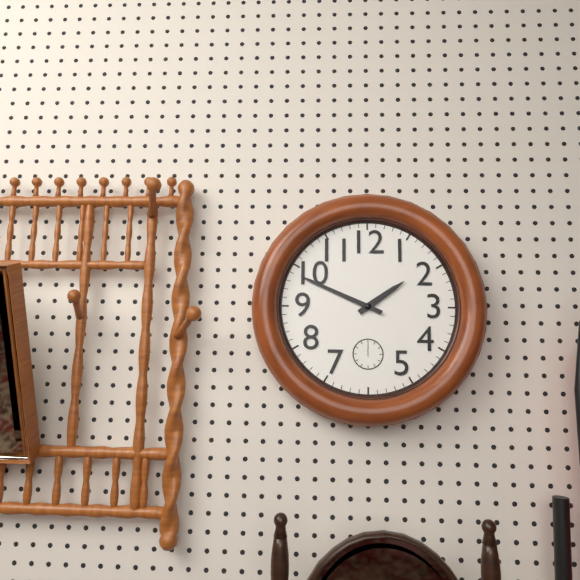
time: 1:49
